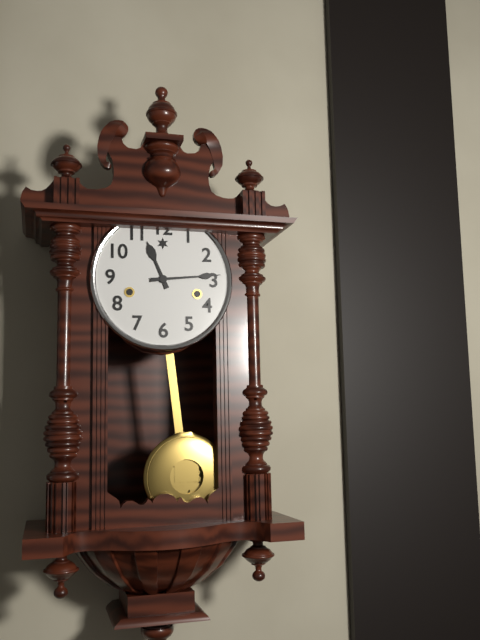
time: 11:14
